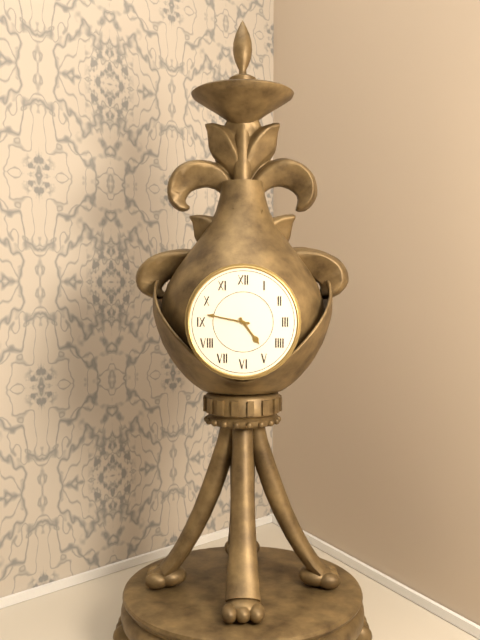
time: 4:47
